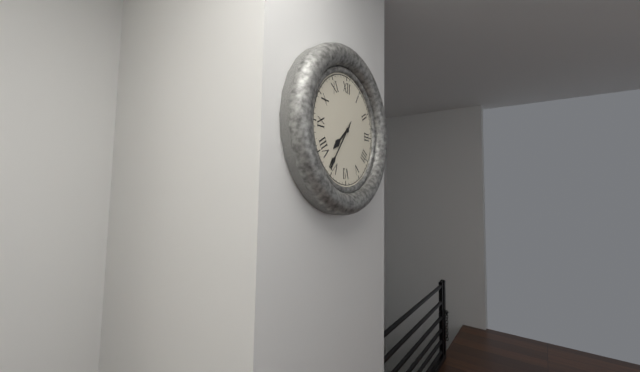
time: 7:36
